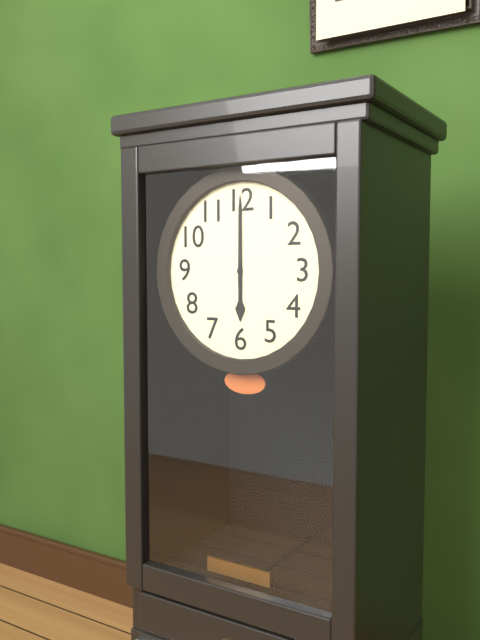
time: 6:00
